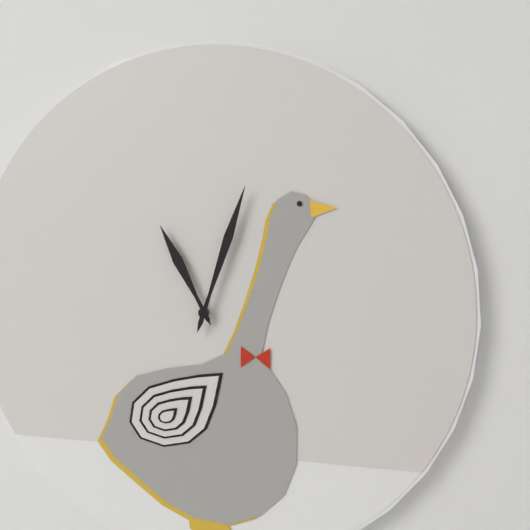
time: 11:03
